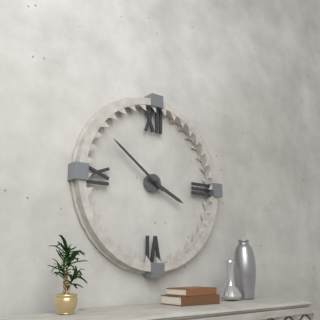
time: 3:51
